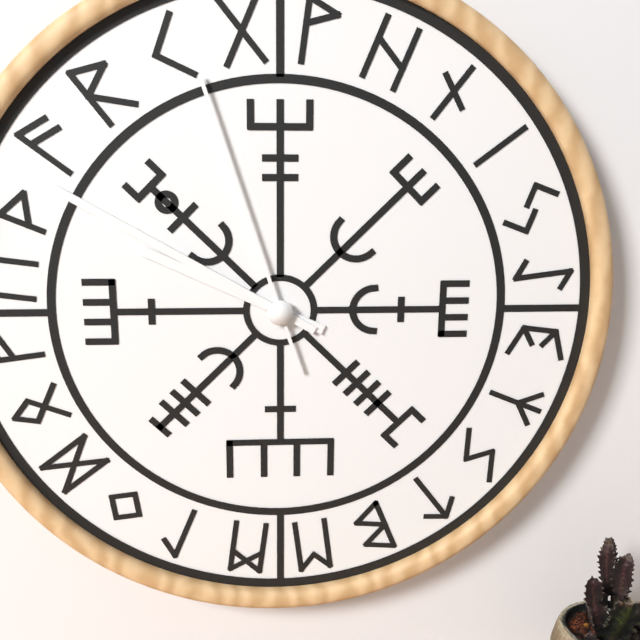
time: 9:50:57
